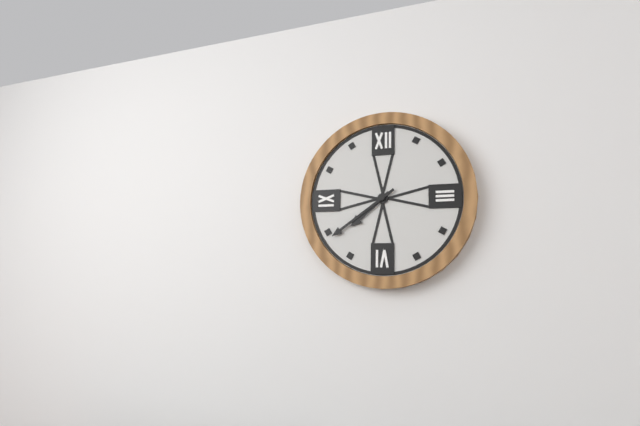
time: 7:39
